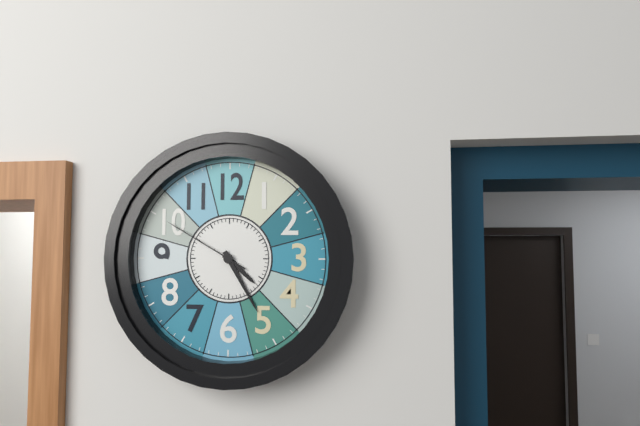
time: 4:25:50
